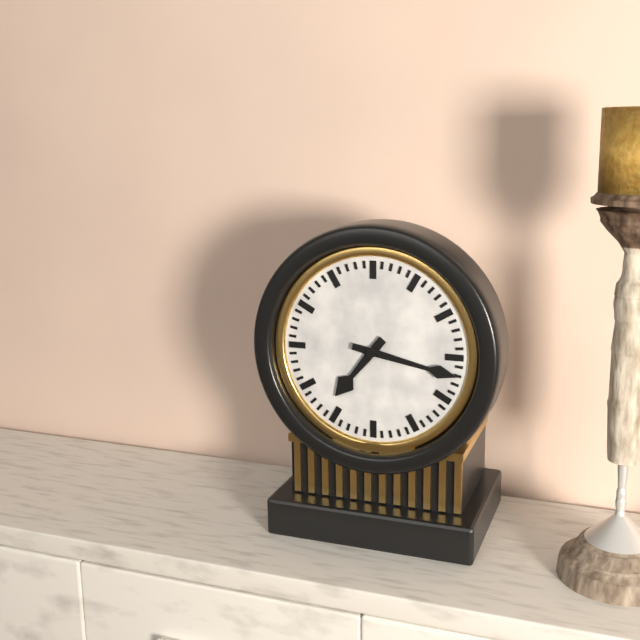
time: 7:17
